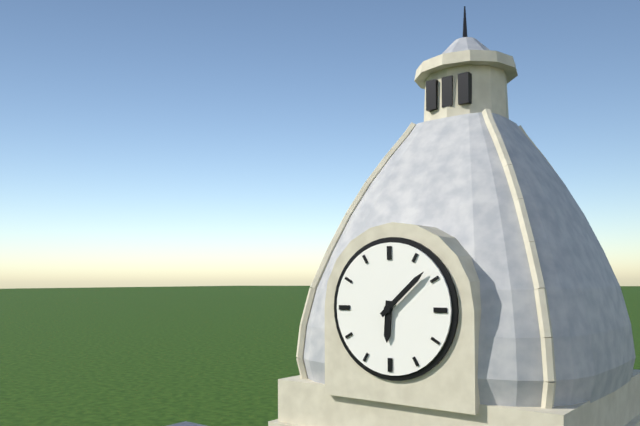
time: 6:08
